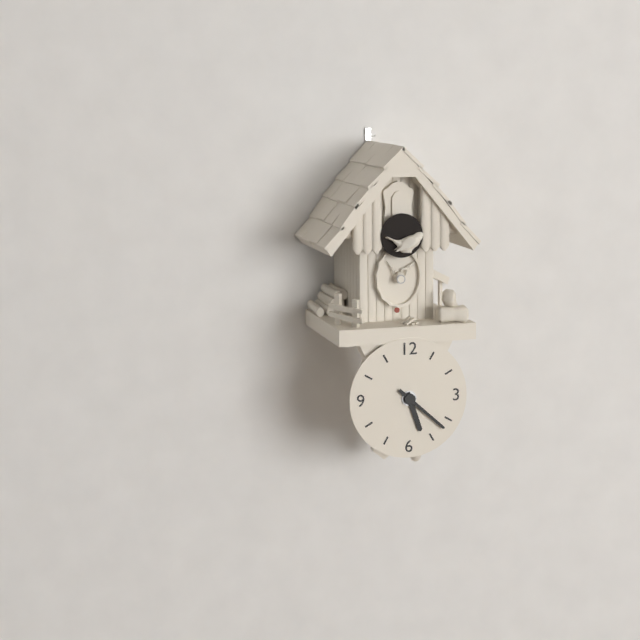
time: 5:22
